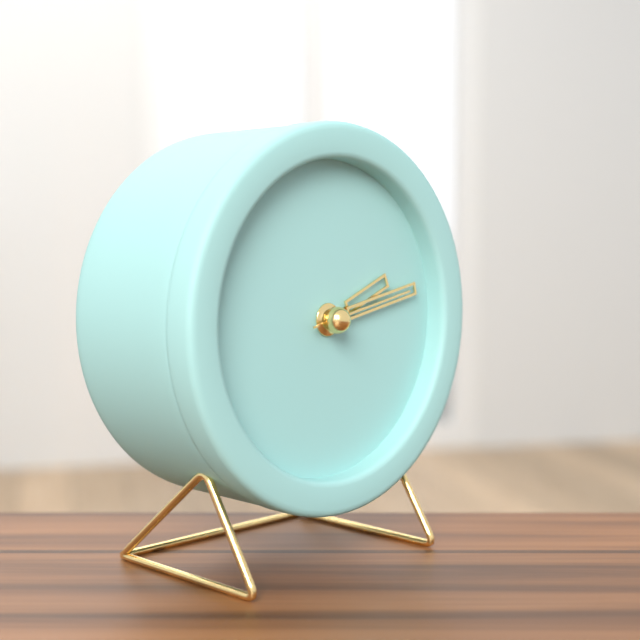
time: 2:13:13
